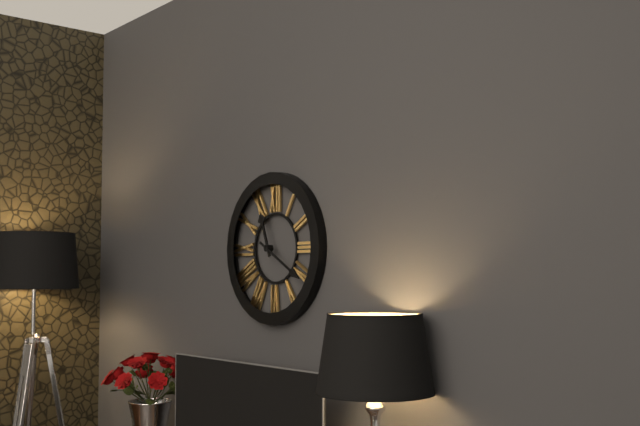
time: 11:20
